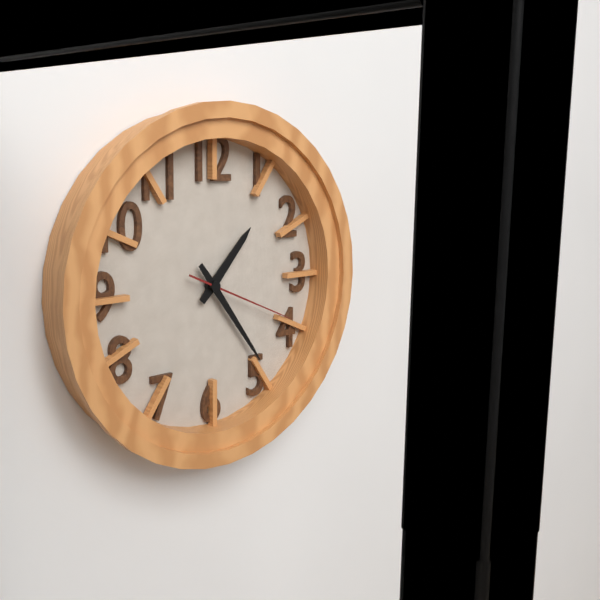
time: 1:24:19
